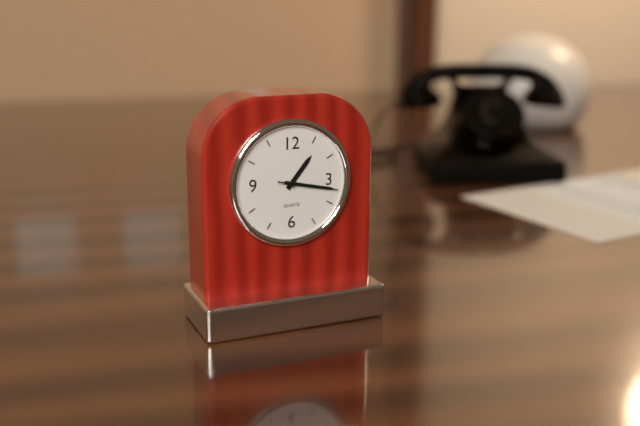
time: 1:17:17
